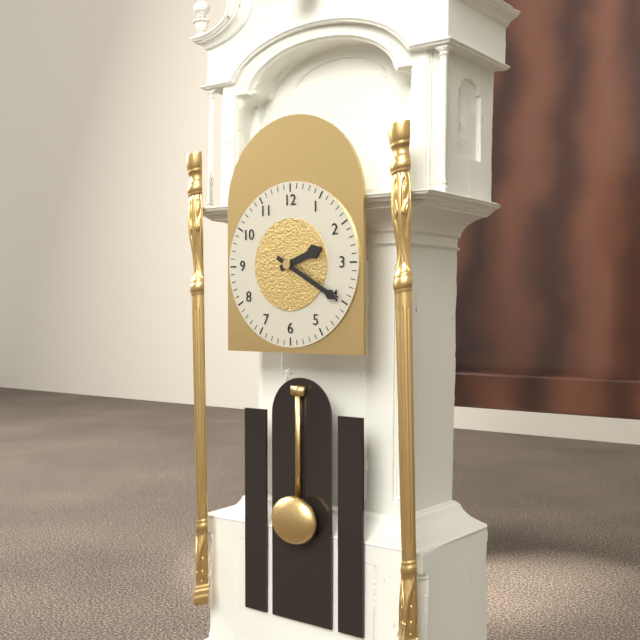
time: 2:20
